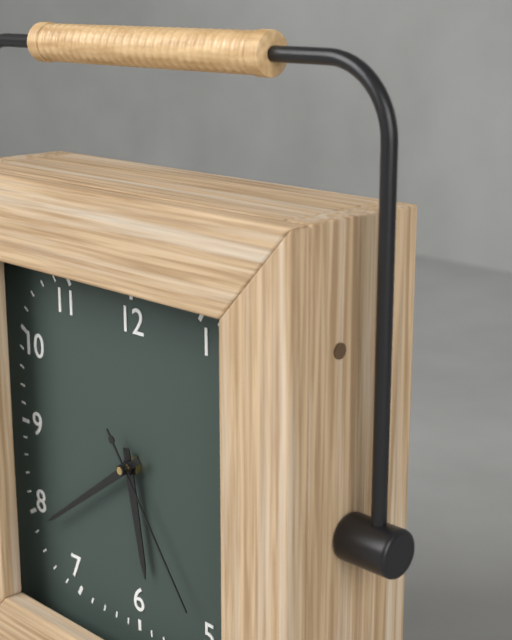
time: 5:39:24
